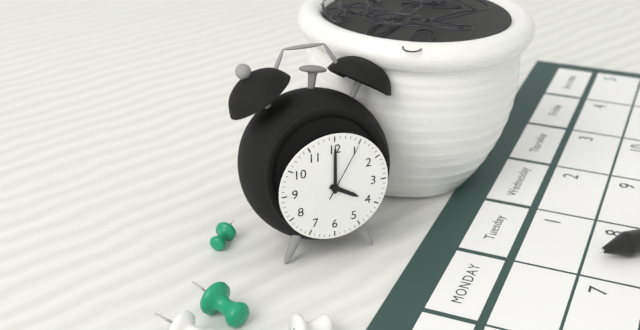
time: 4:00:05
